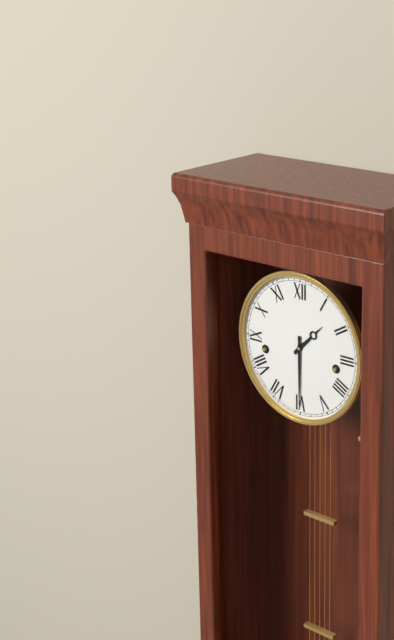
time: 1:30
